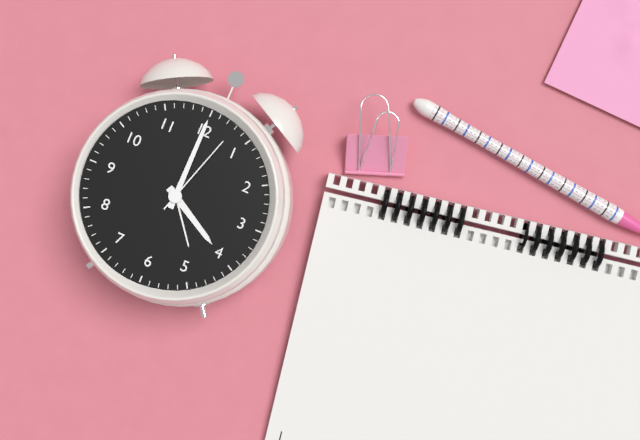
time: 4:00:03
